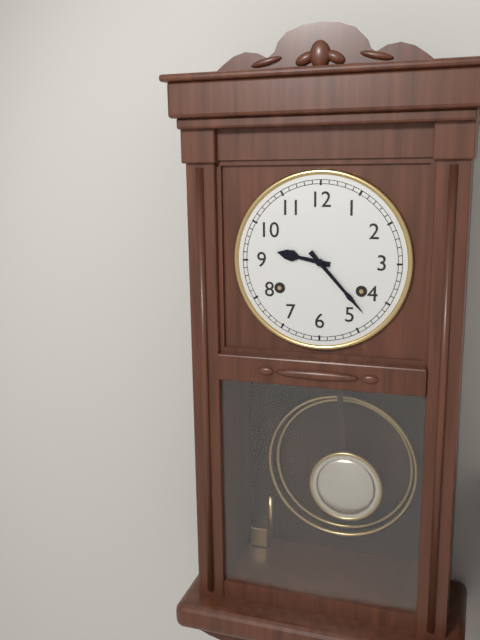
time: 9:23
